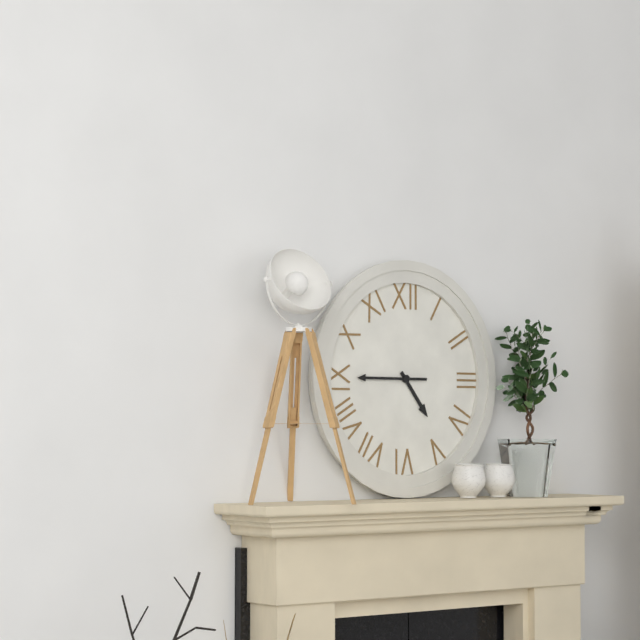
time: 4:45
